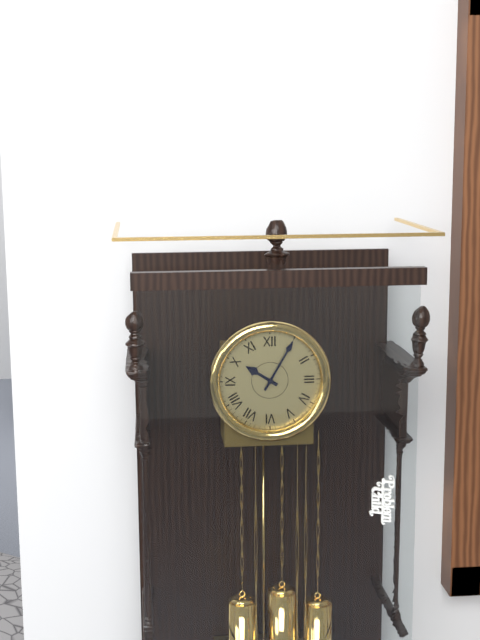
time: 10:05
